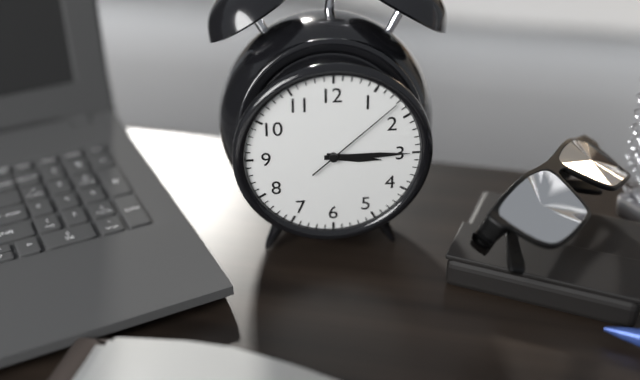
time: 3:15:08
